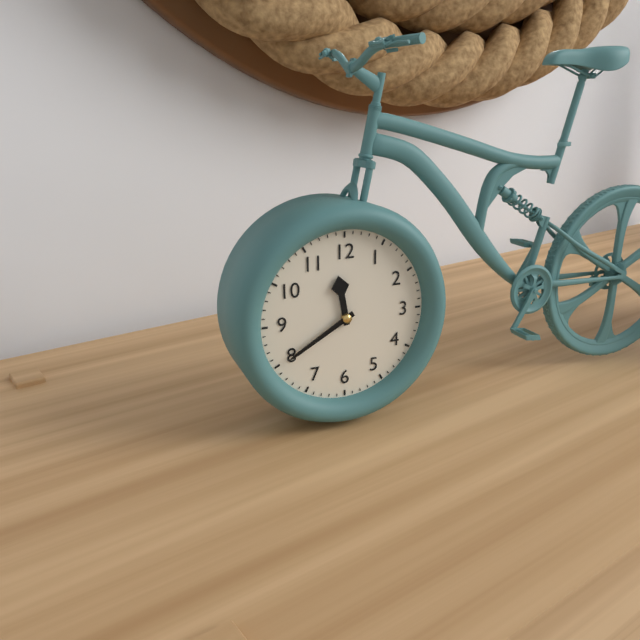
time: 11:40
